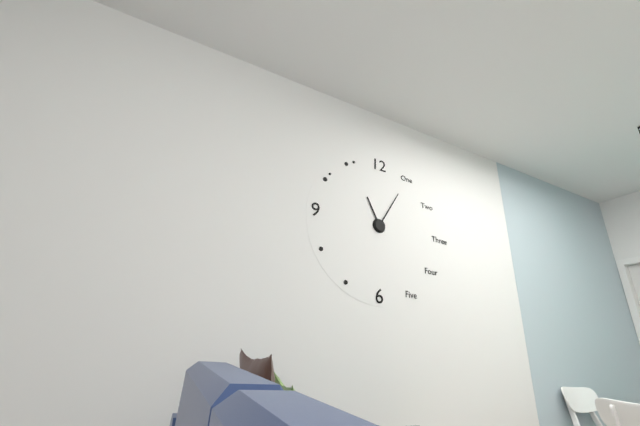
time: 11:05
